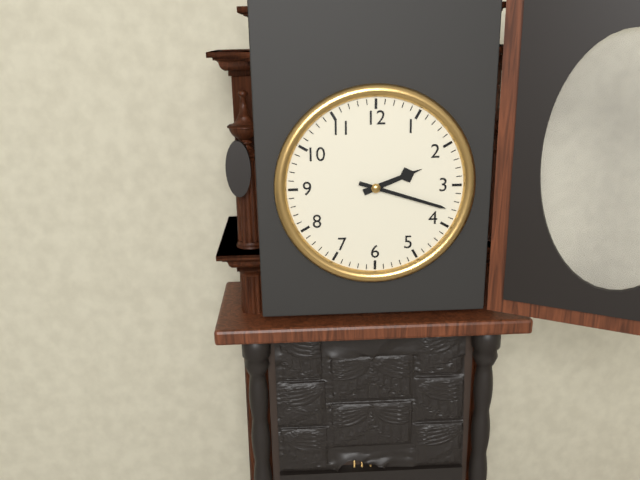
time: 2:18
